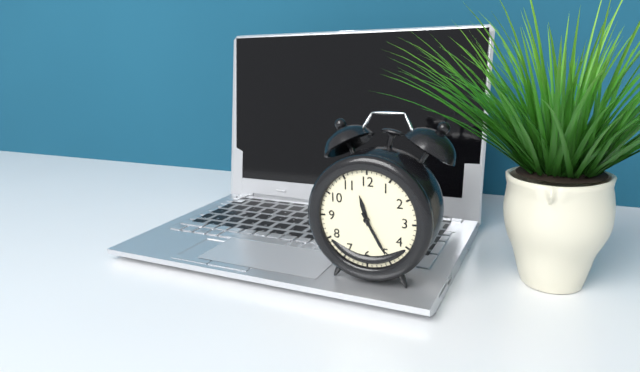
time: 11:25
